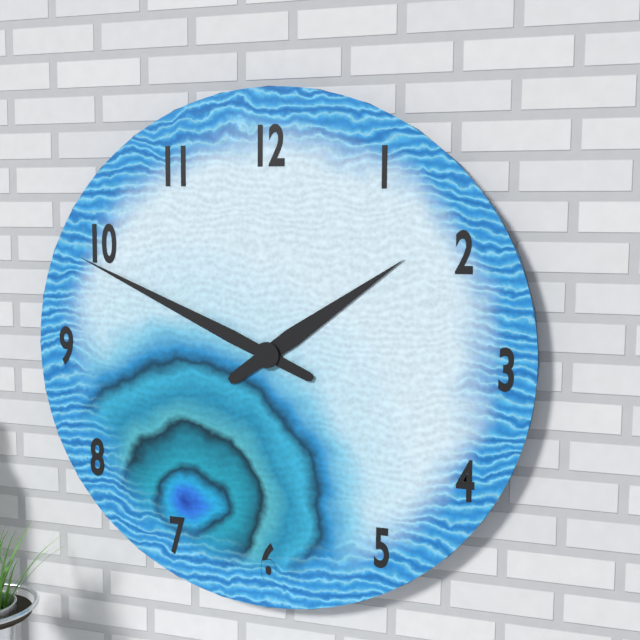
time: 1:49
